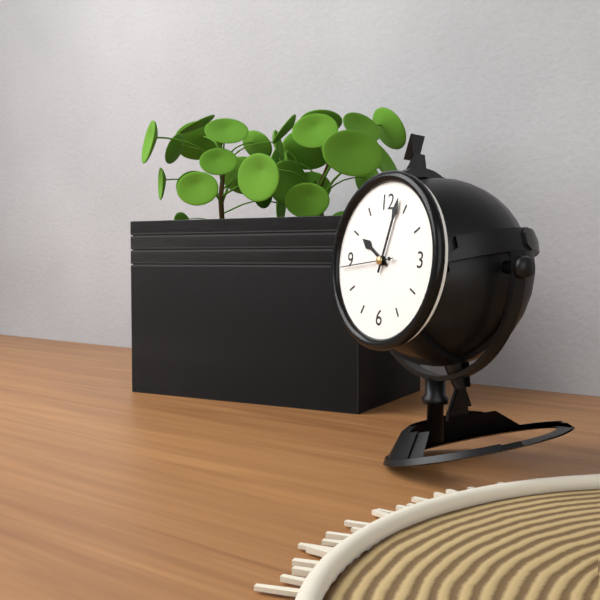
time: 10:03:44
